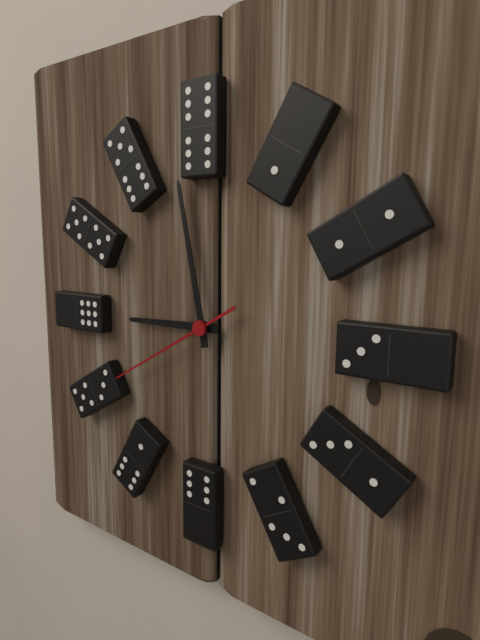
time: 8:58:40
